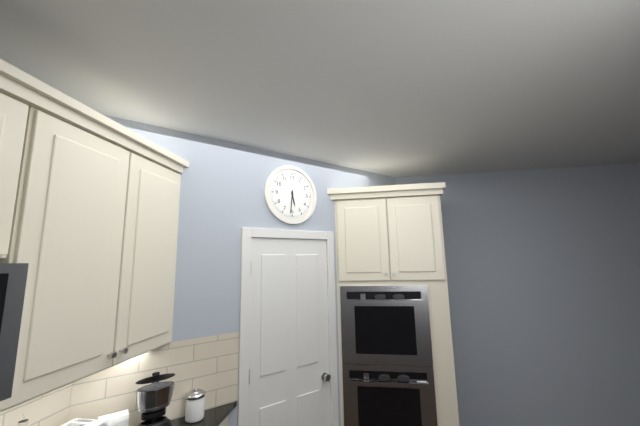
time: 5:31
